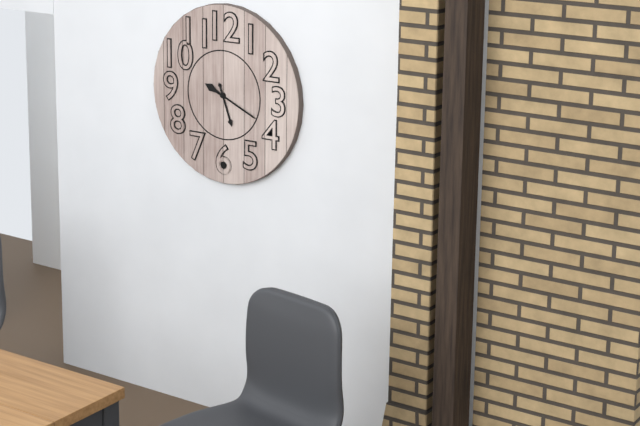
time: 5:19
